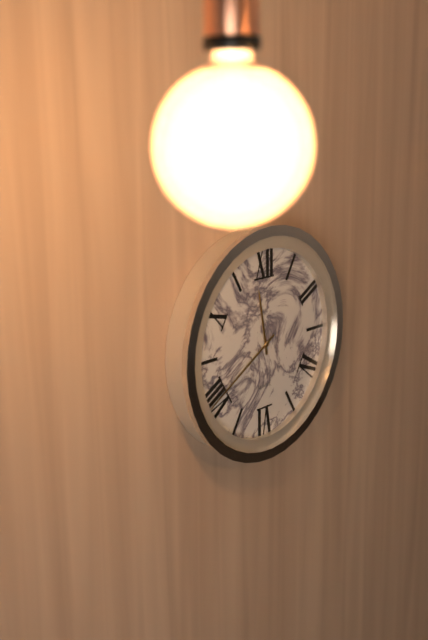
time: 11:40
